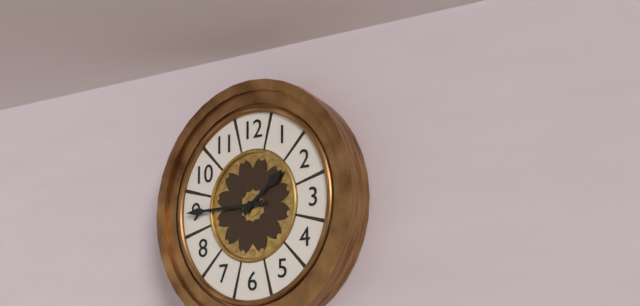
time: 1:45
